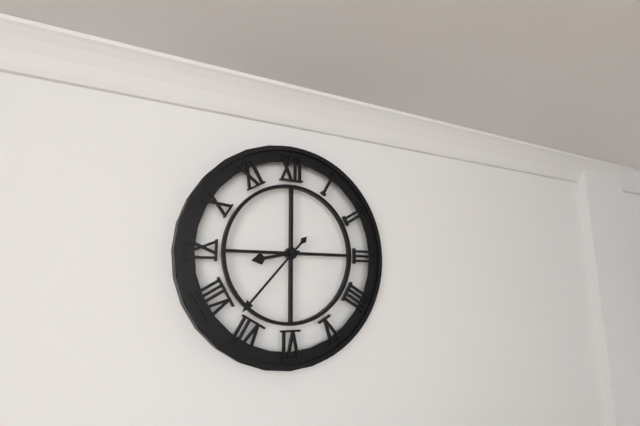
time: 8:37
